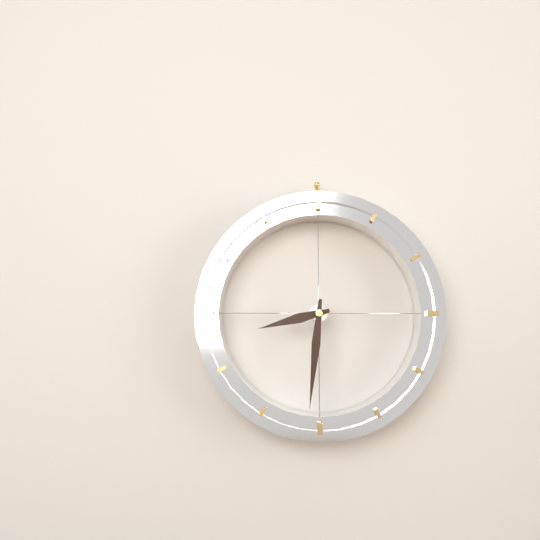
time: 8:31
